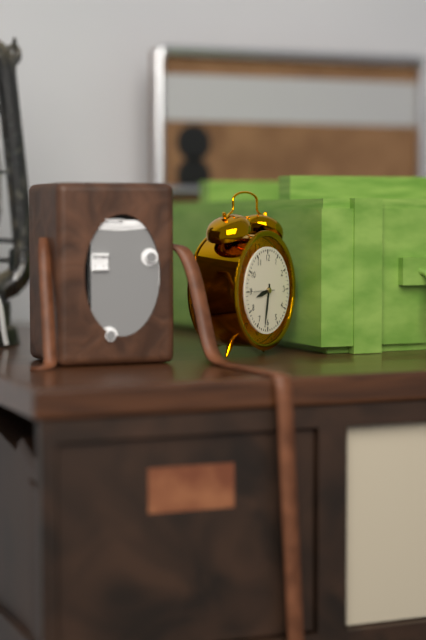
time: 8:32
